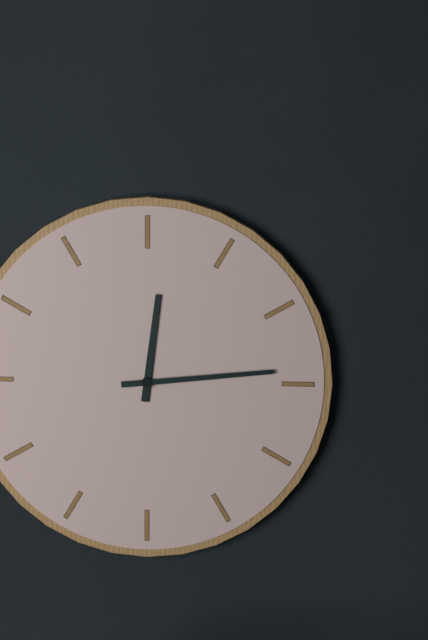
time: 12:14
